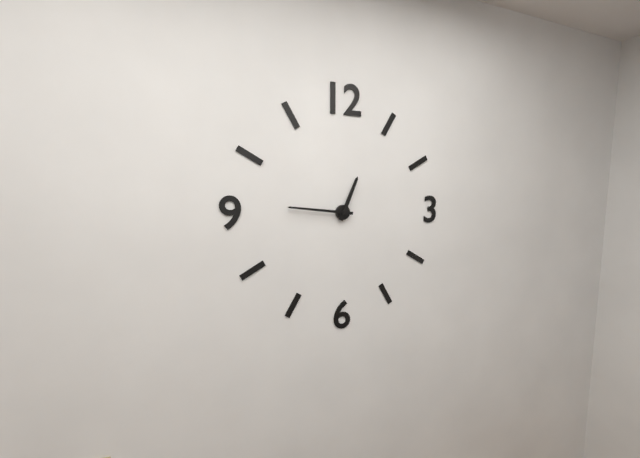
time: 12:46
